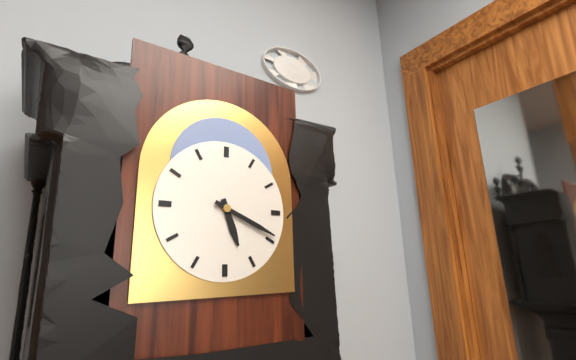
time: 5:19
